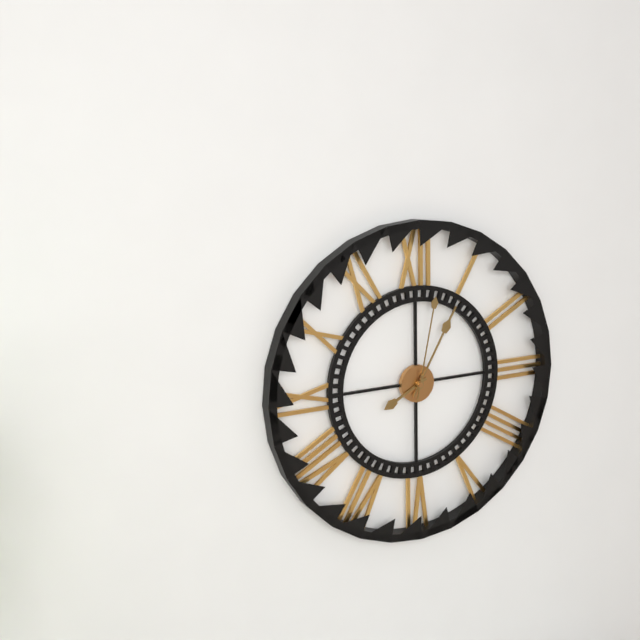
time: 8:05:02
